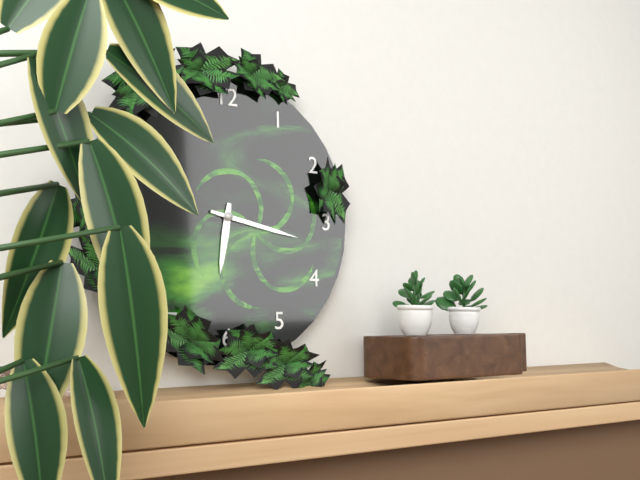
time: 6:17
